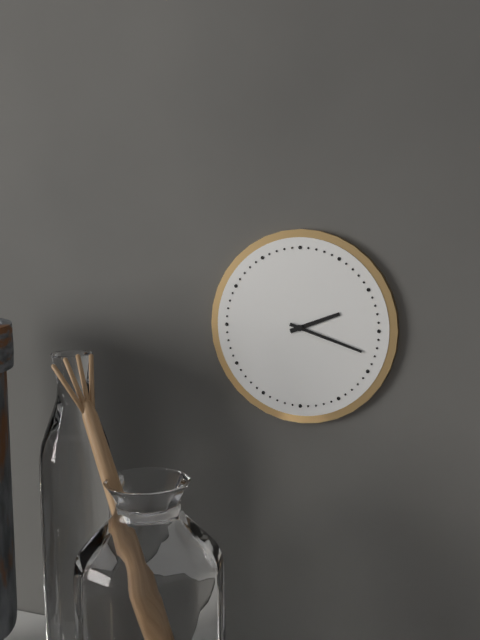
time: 2:18
